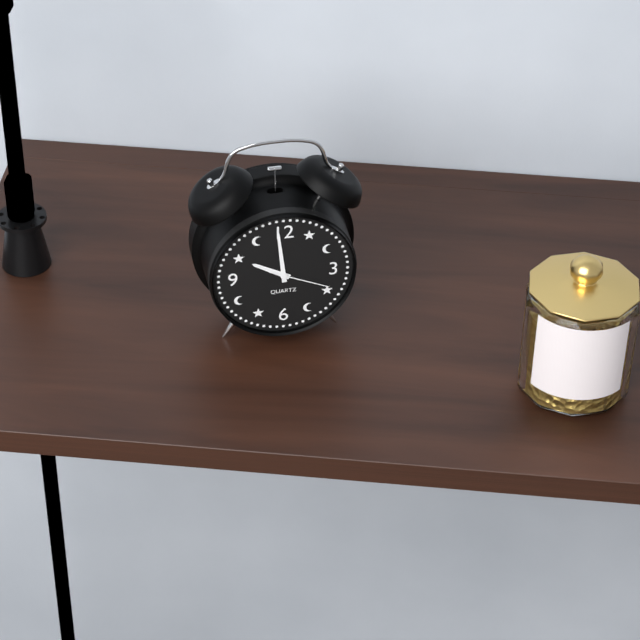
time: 9:59:19
